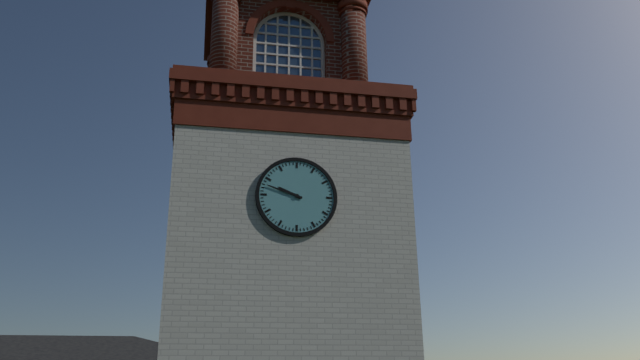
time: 9:48
